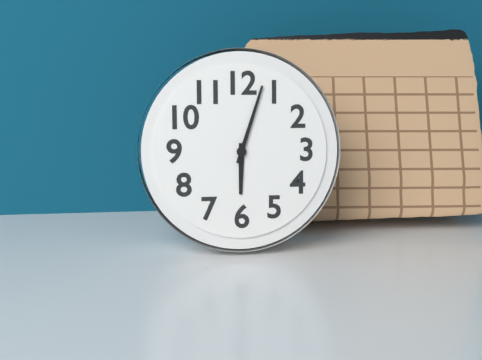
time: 6:03
